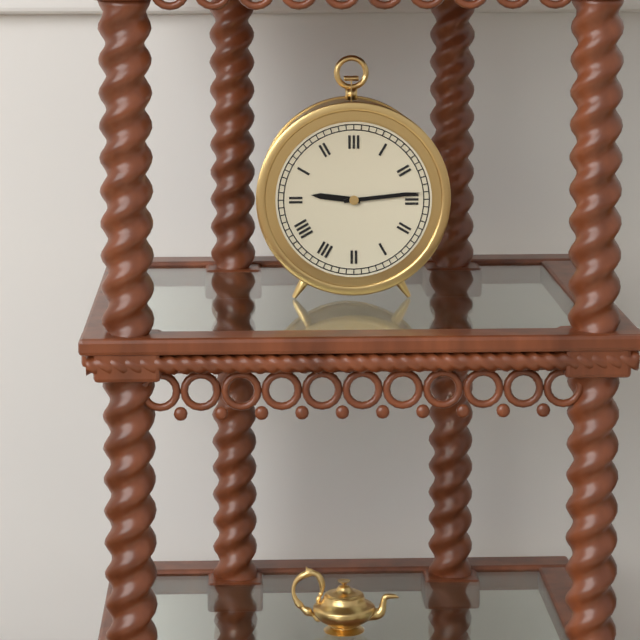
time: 9:14
